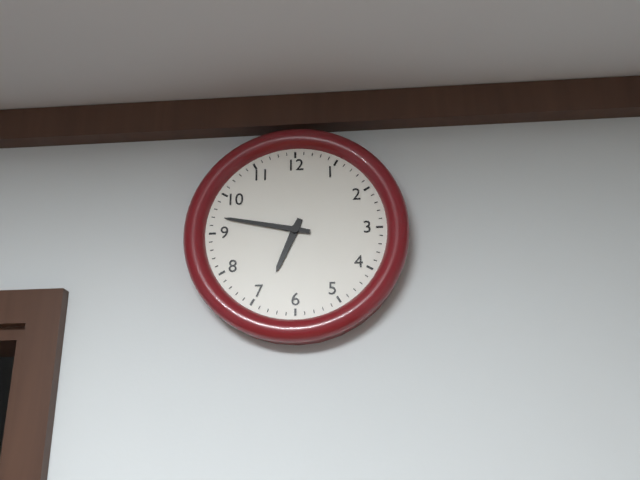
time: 6:47
